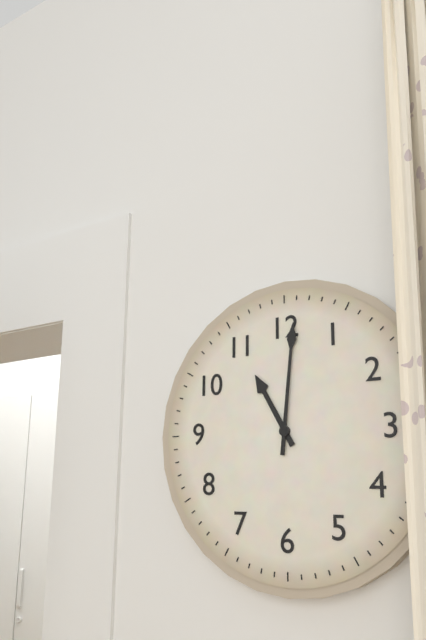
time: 11:01
